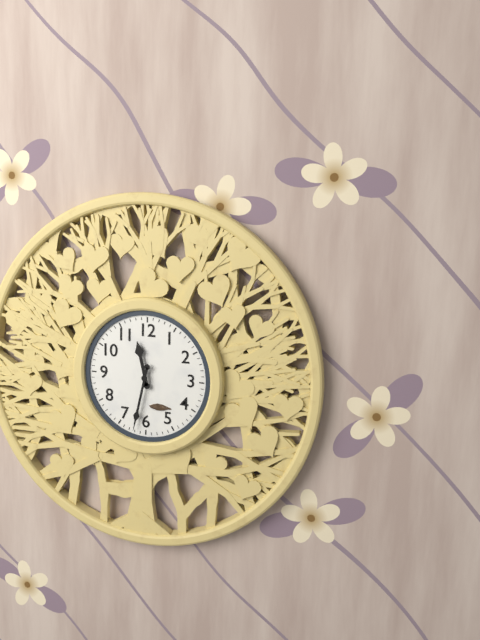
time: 11:32
